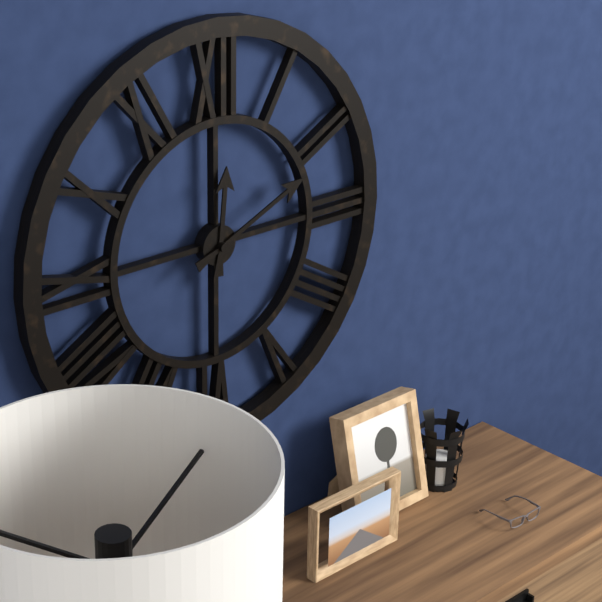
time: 12:11
